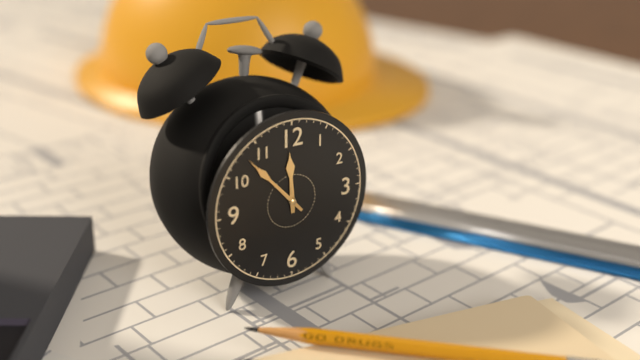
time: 11:53
